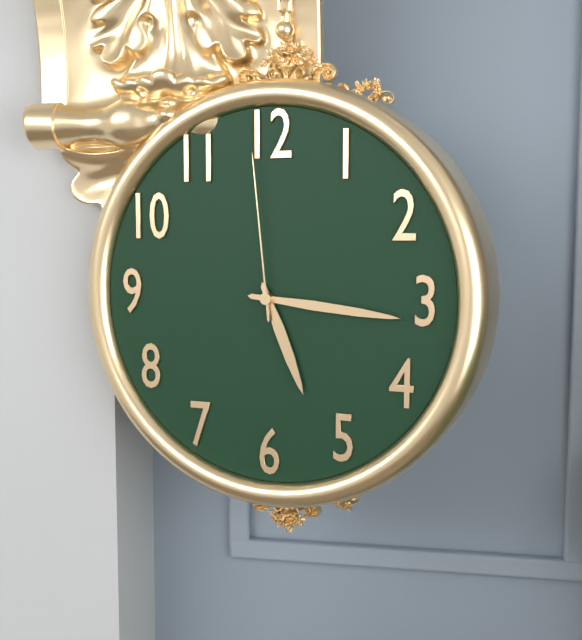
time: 5:16:59
